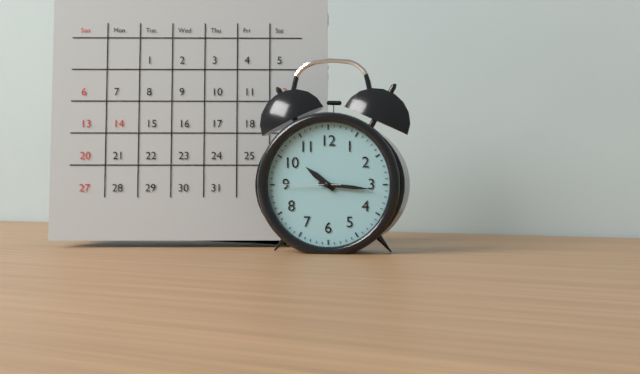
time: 10:16:45
